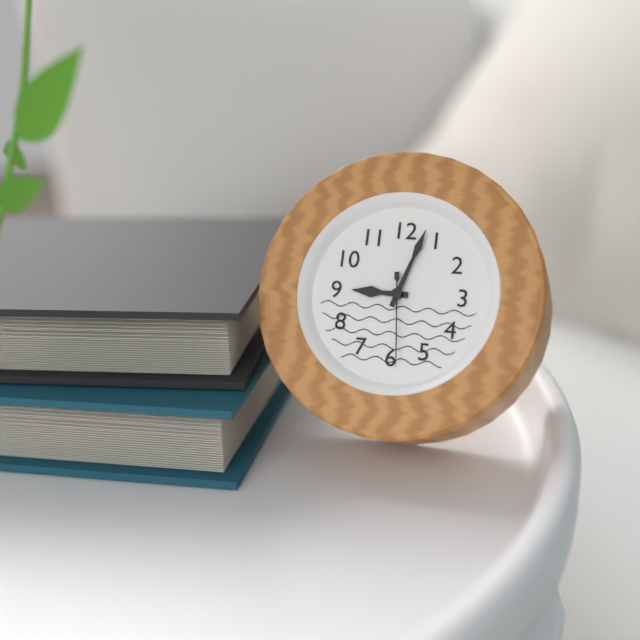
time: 9:03:29
